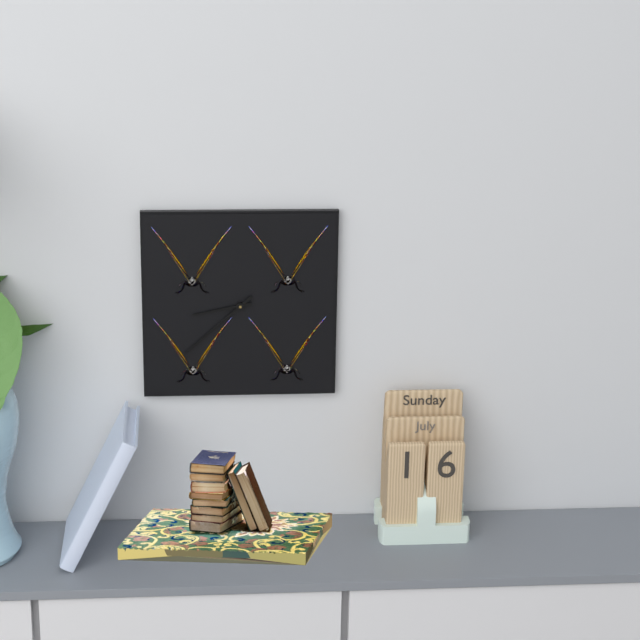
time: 8:38
